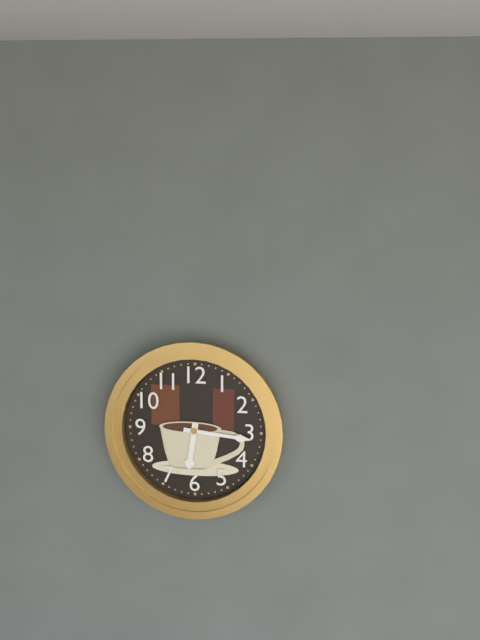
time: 6:16
